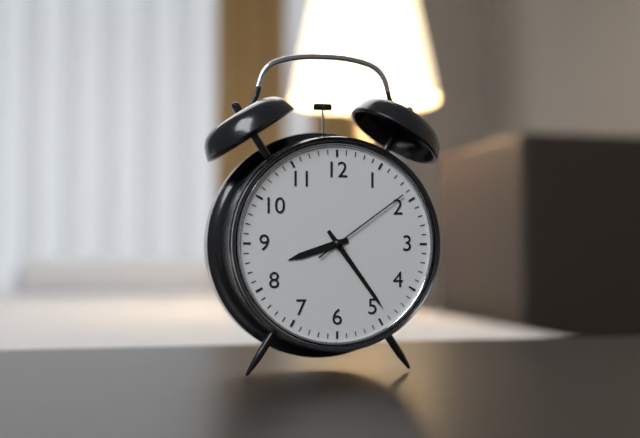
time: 8:24:09
